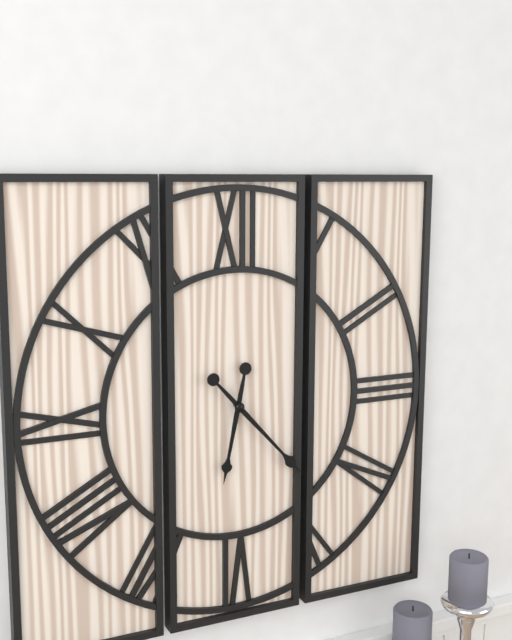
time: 6:23
